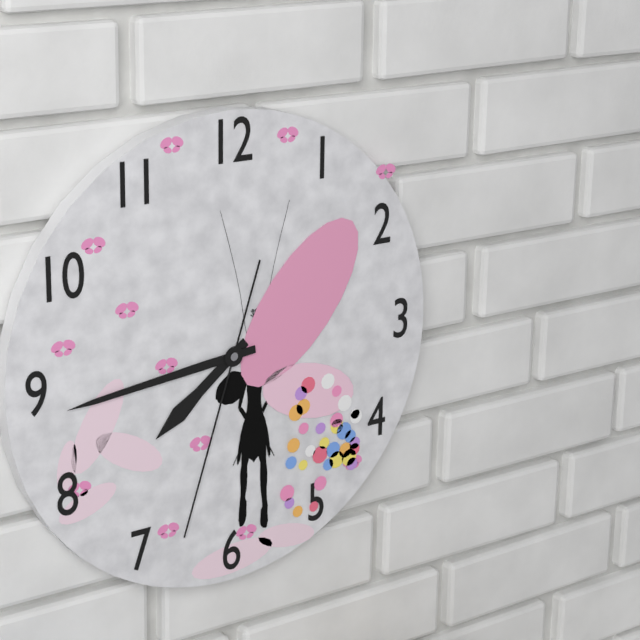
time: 7:44:33
